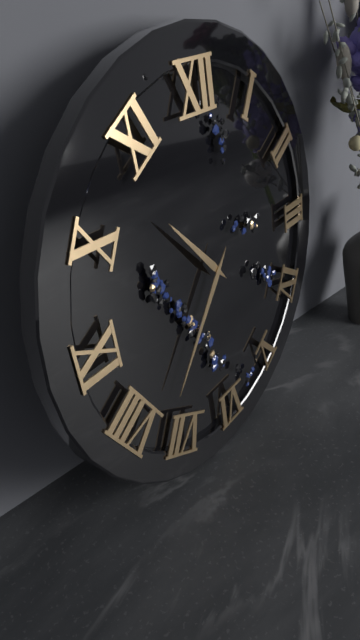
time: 10:37
